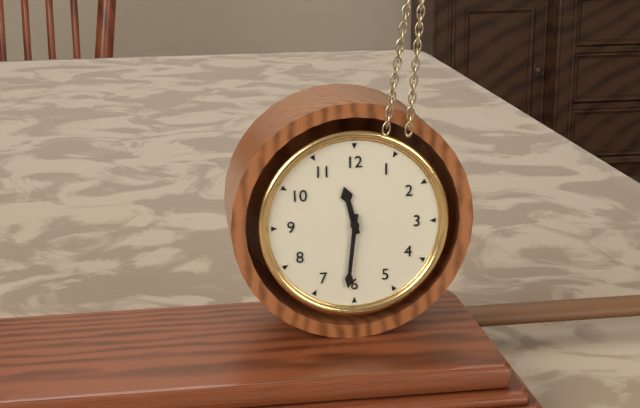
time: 11:31
